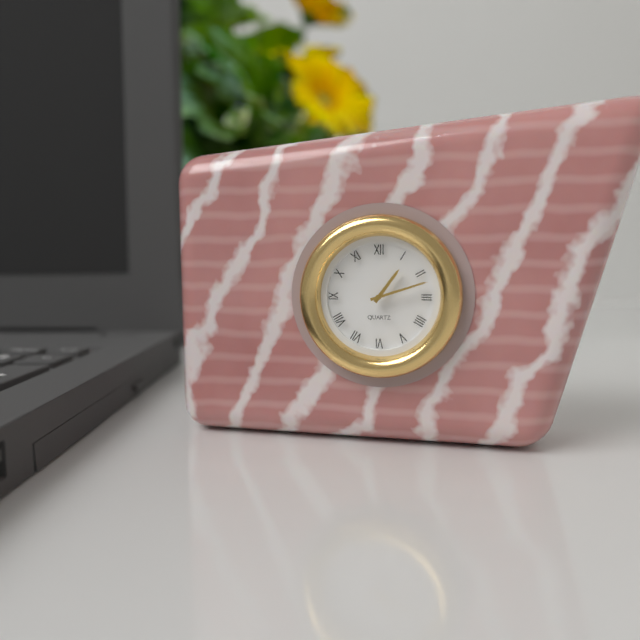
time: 1:12
